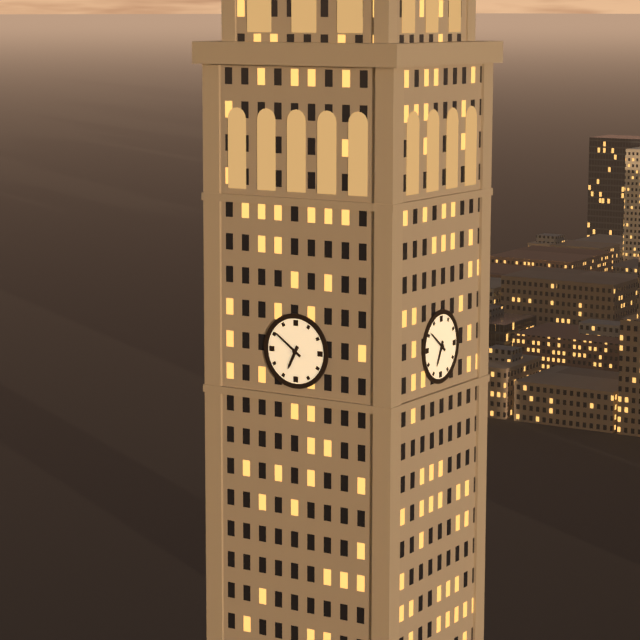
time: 6:51
